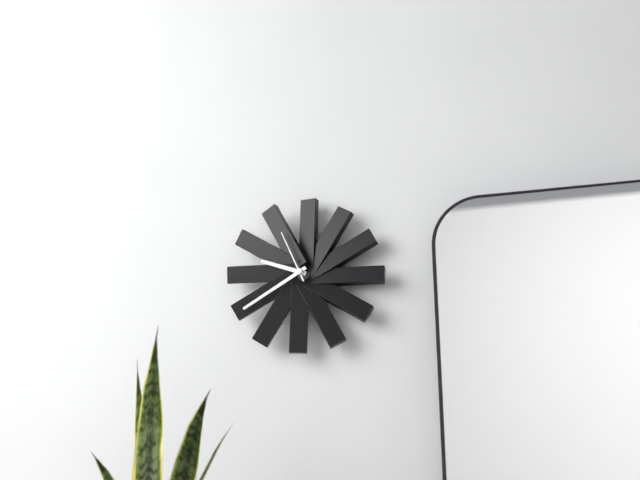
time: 9:40:56
